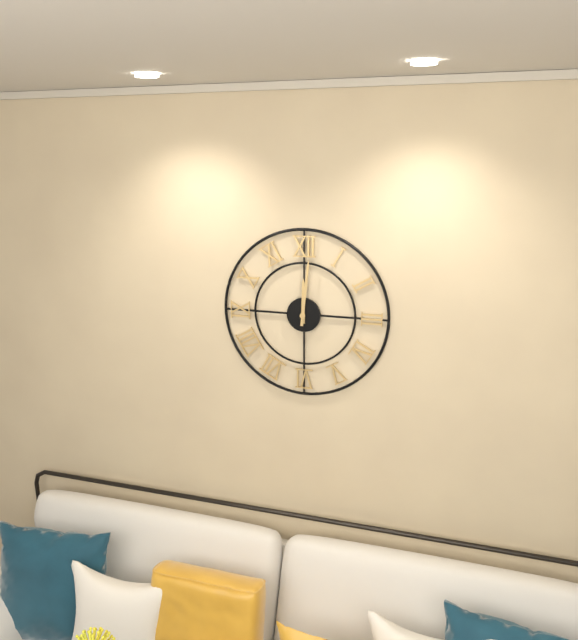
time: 12:01
